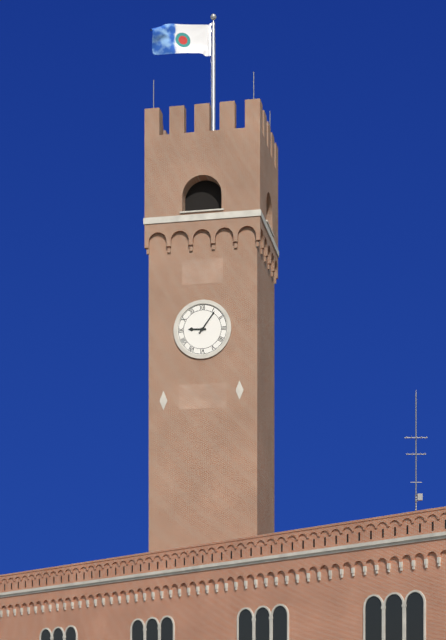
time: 9:06
